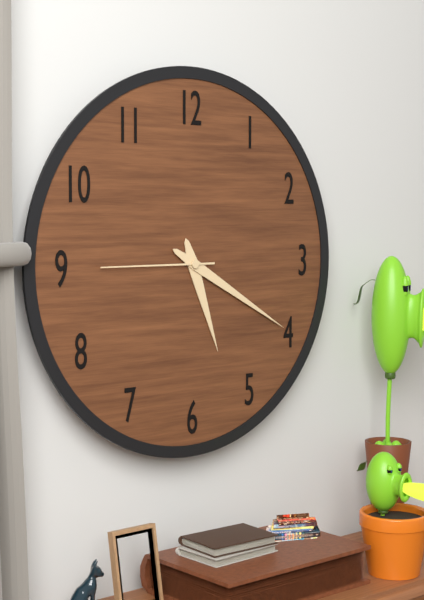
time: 5:20:45
